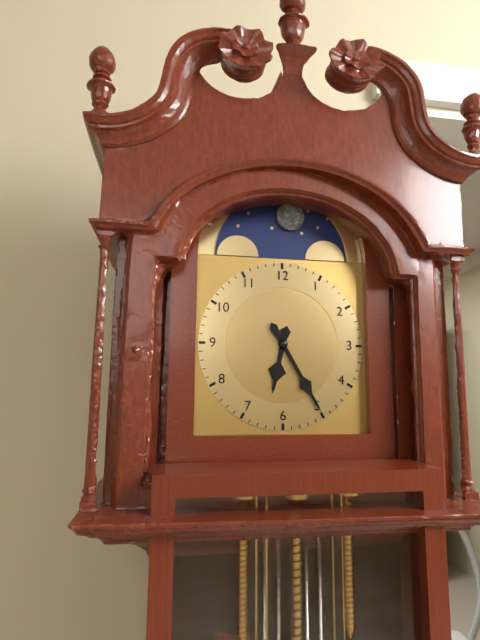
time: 6:25
